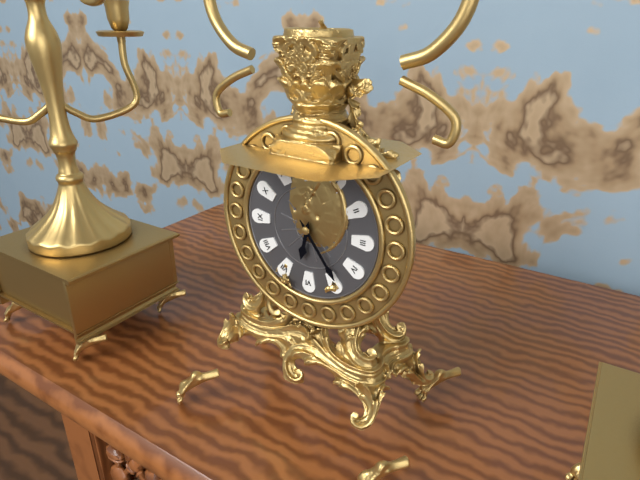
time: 6:24
